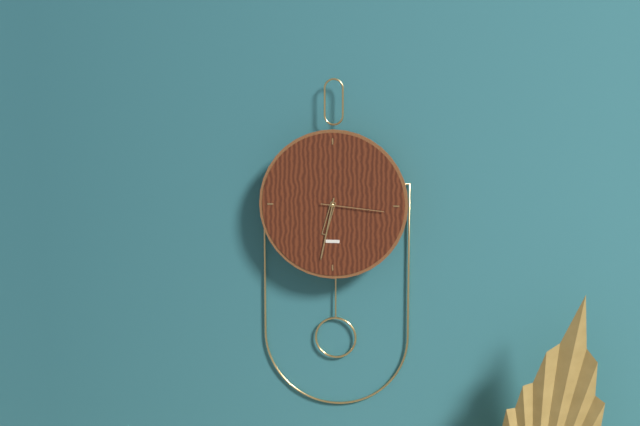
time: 6:32:16
